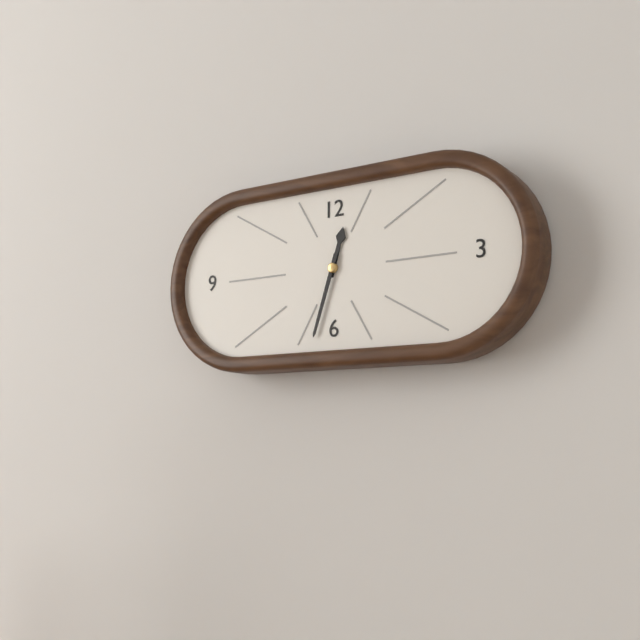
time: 12:33
